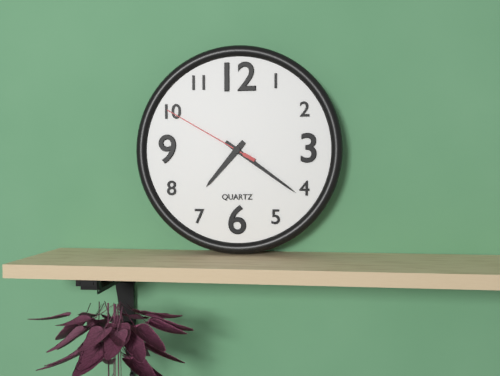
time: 7:21:50
